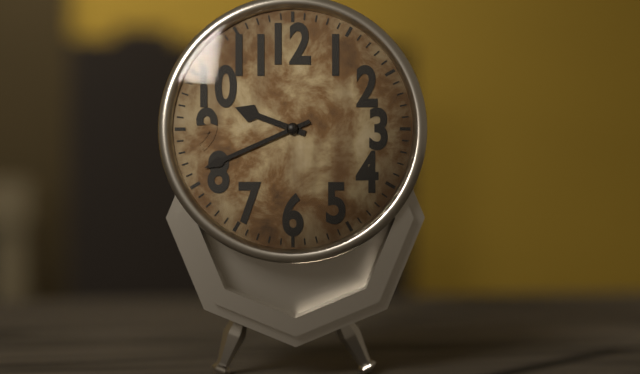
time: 9:41
